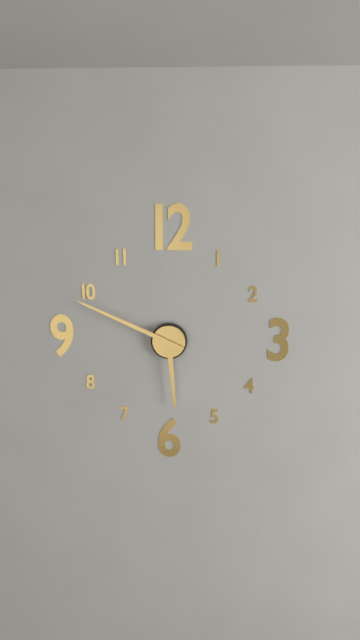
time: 5:49
